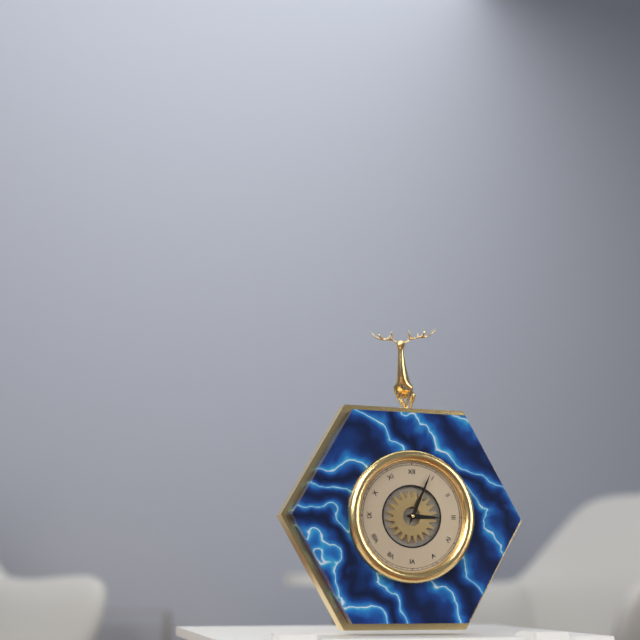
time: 3:04
